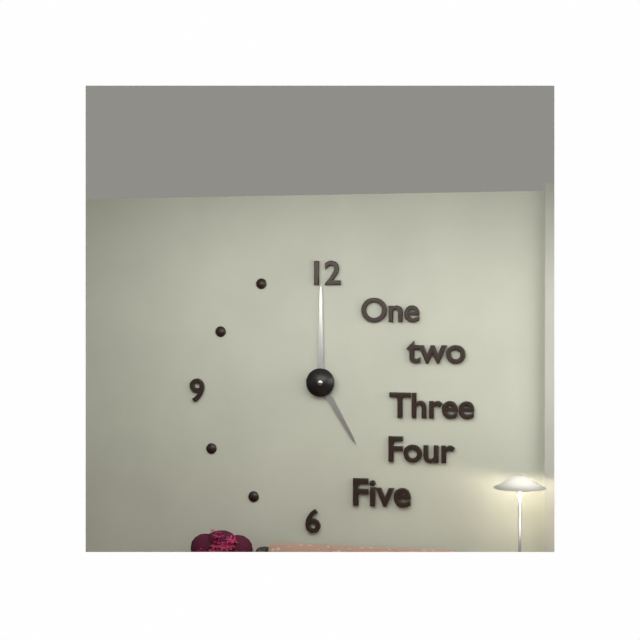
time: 5:00
